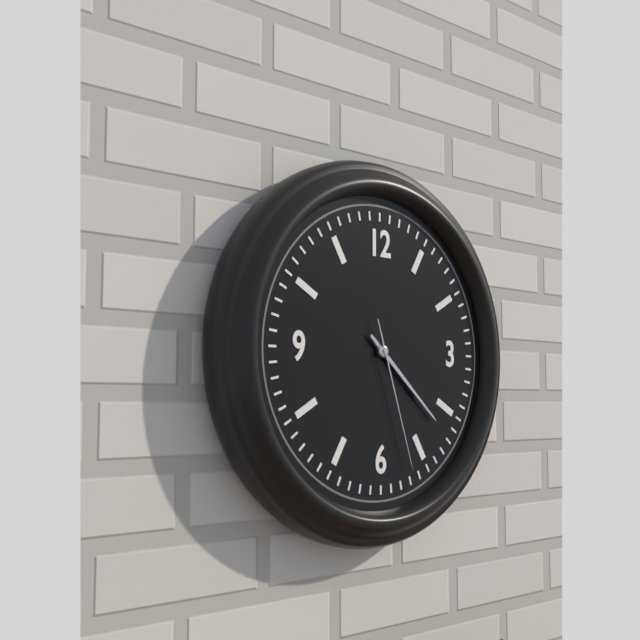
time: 4:22:27
